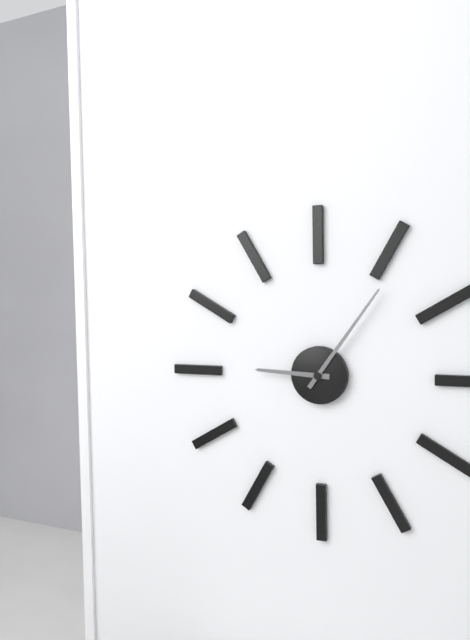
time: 9:06
